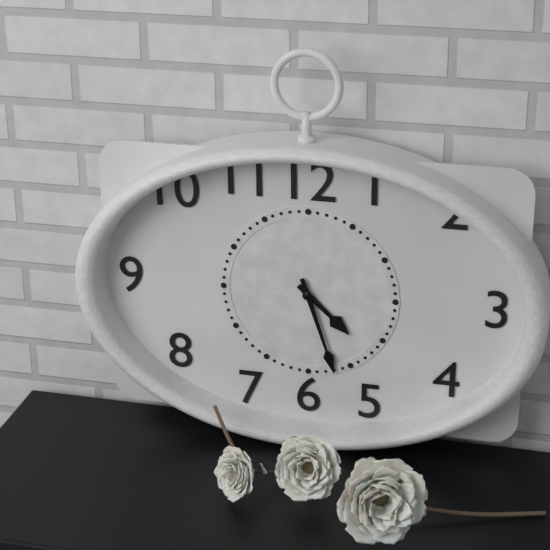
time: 4:27
